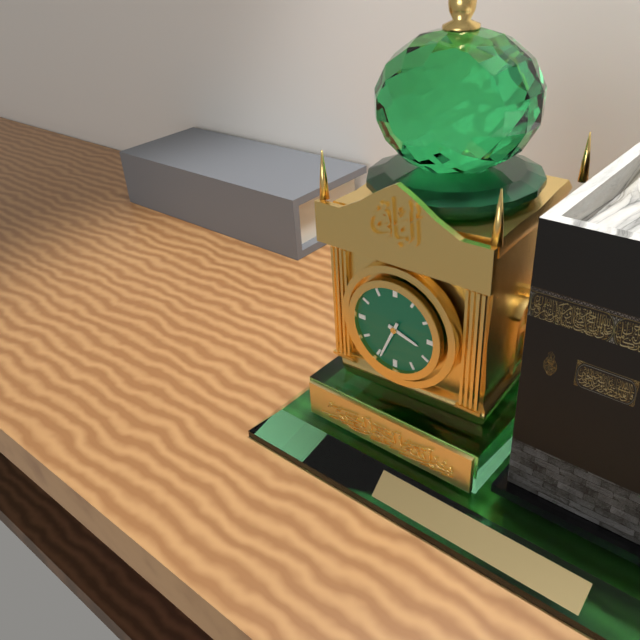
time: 3:34
